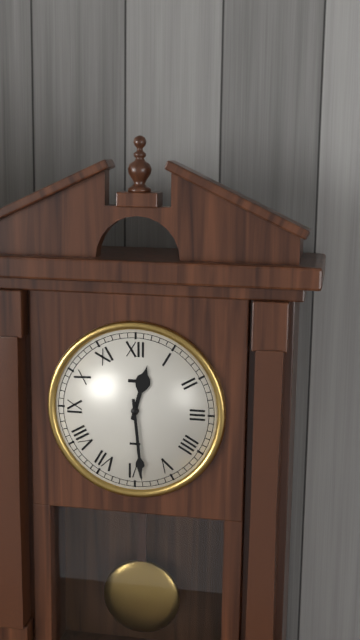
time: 12:29
